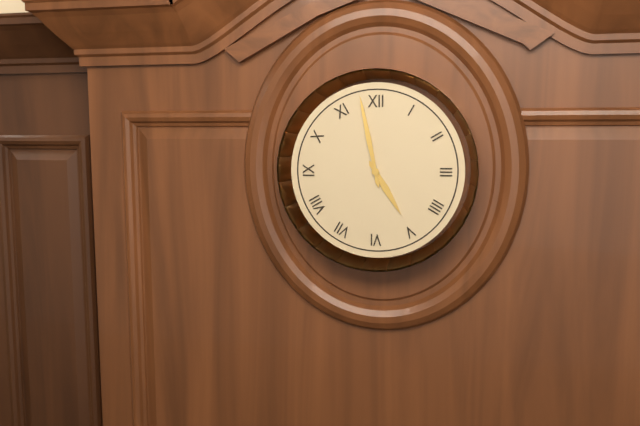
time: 4:58
